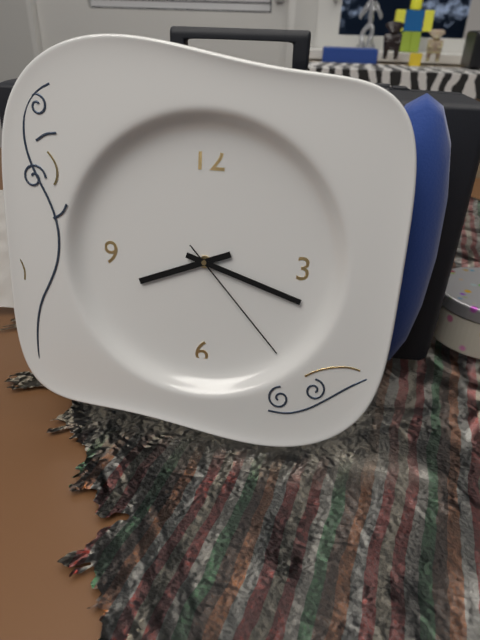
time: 8:18:23
